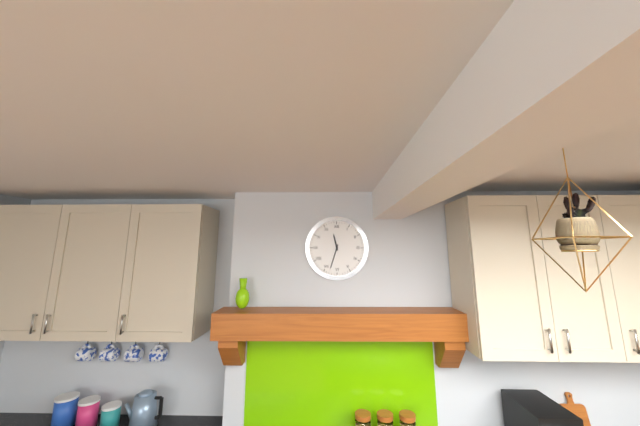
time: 11:33
